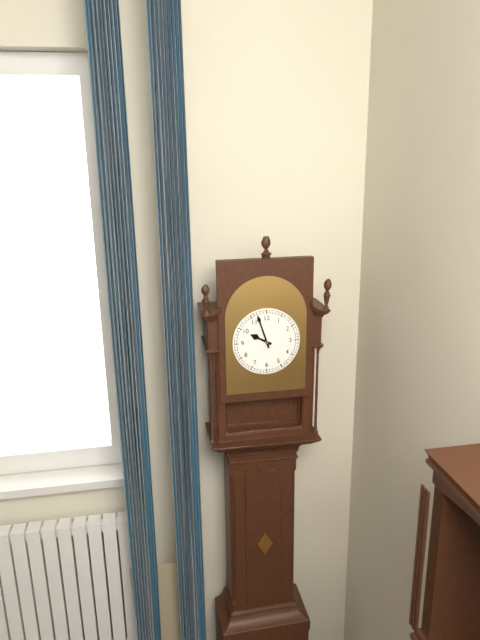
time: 9:57
